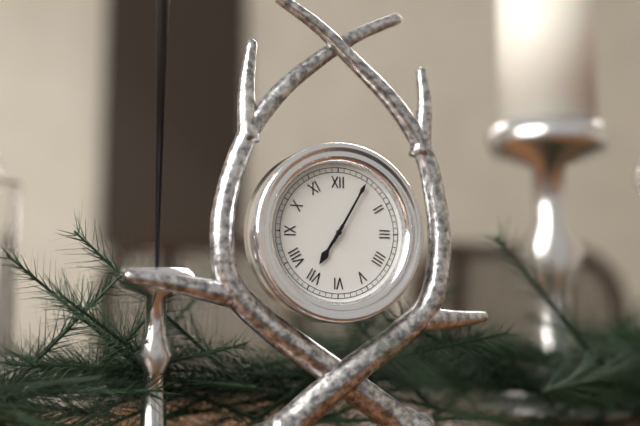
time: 7:05
